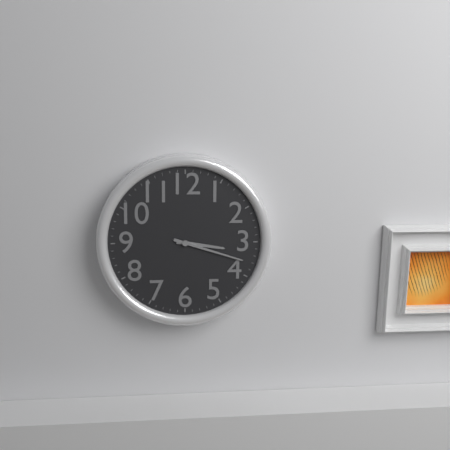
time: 3:18
